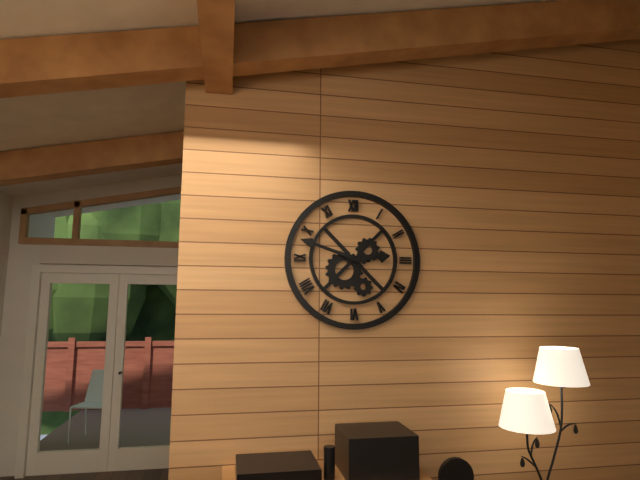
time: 2:48
